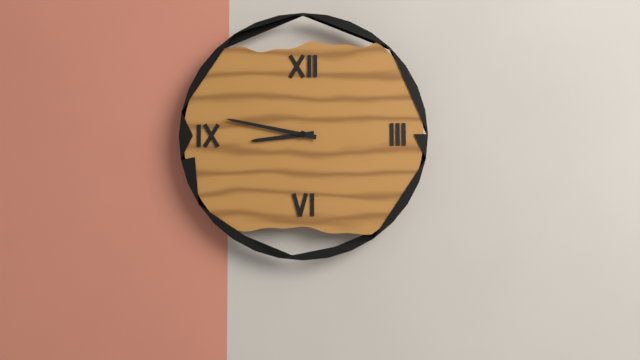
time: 8:47
